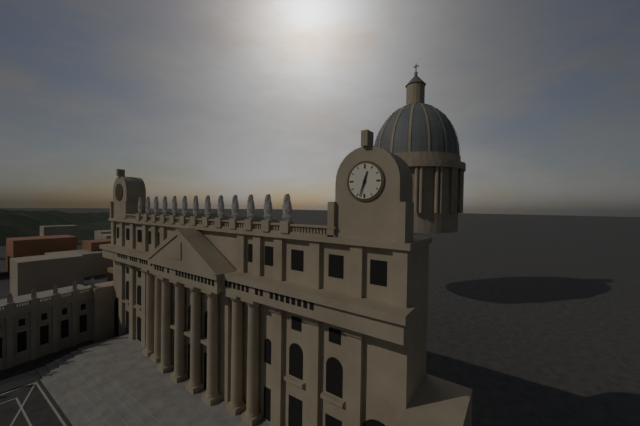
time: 12:33
